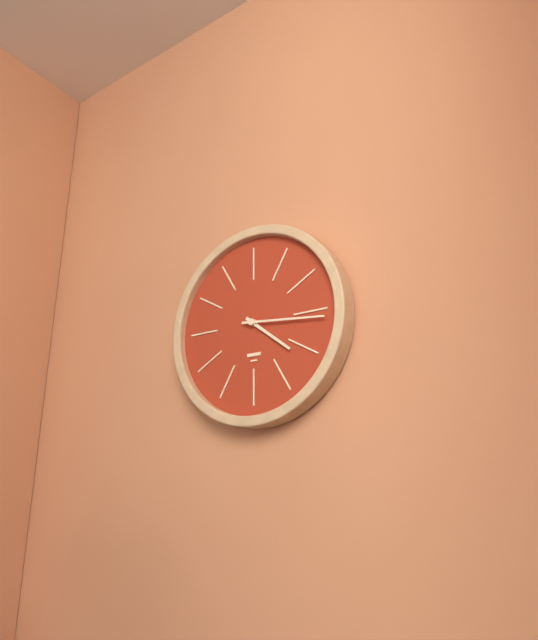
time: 4:16
